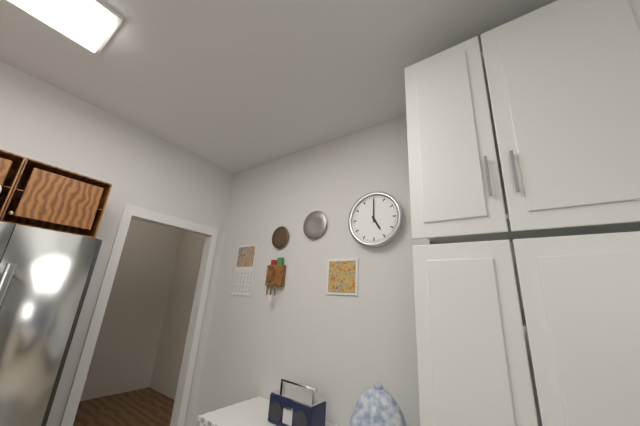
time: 5:00
